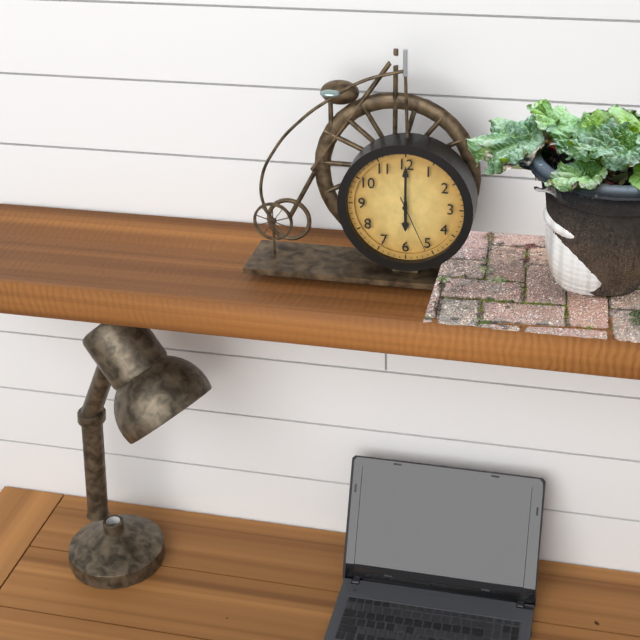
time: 6:00:26
